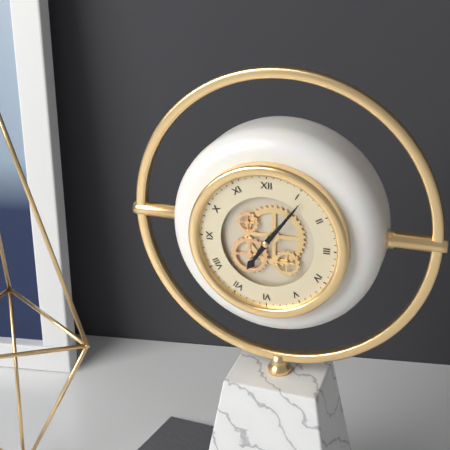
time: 7:06
